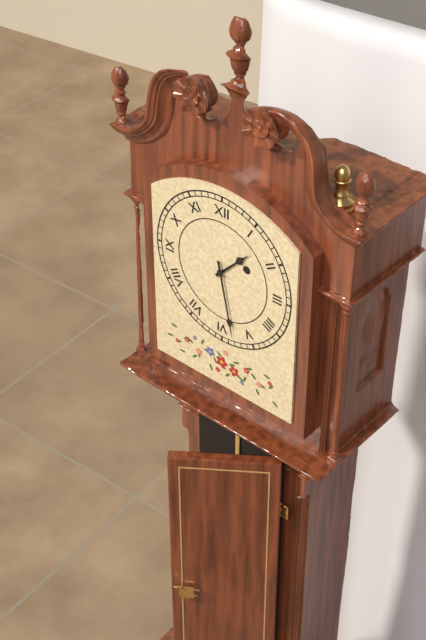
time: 1:28
